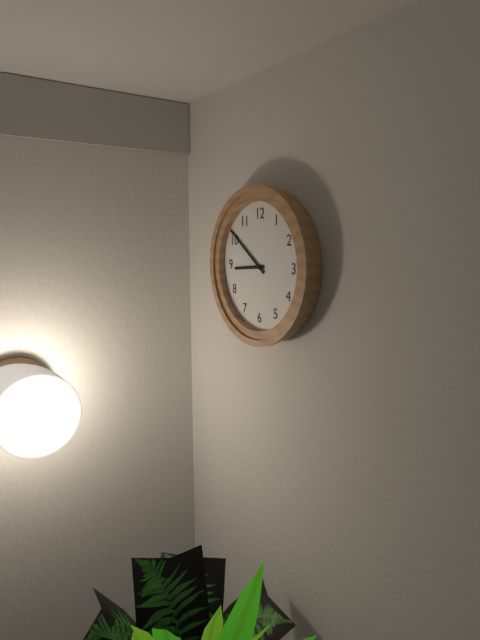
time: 8:51
